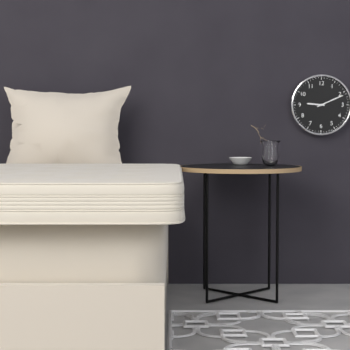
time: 9:11
